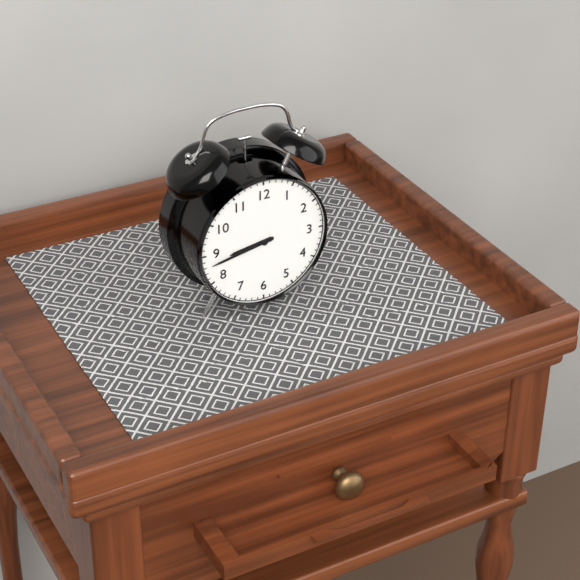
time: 8:43
